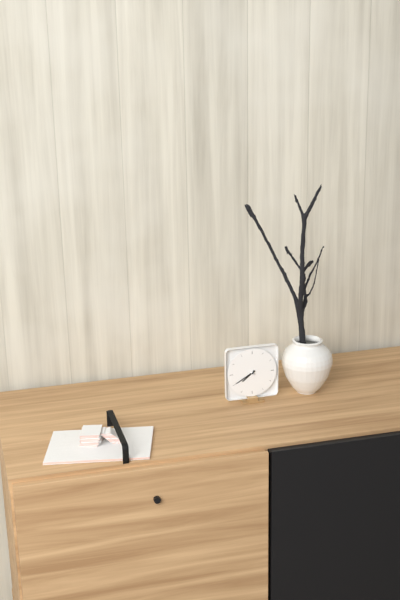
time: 7:40
